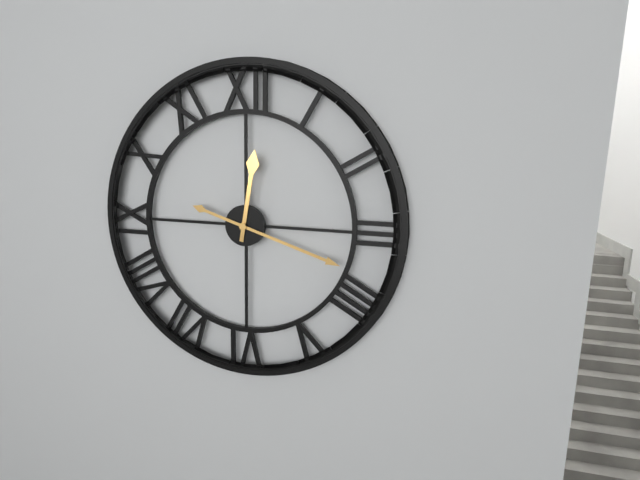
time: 12:18
